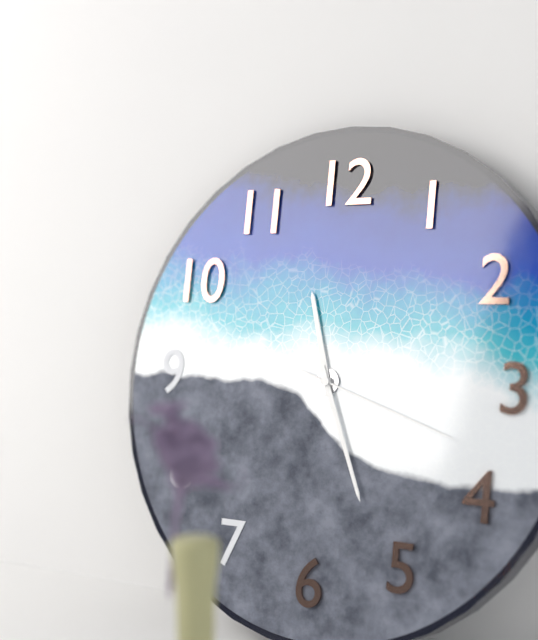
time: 11:26:18
